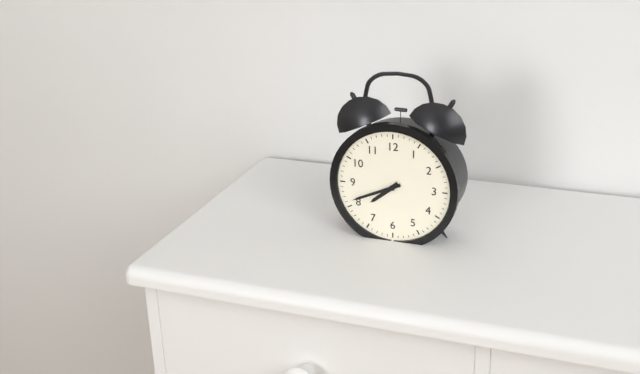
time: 7:41
